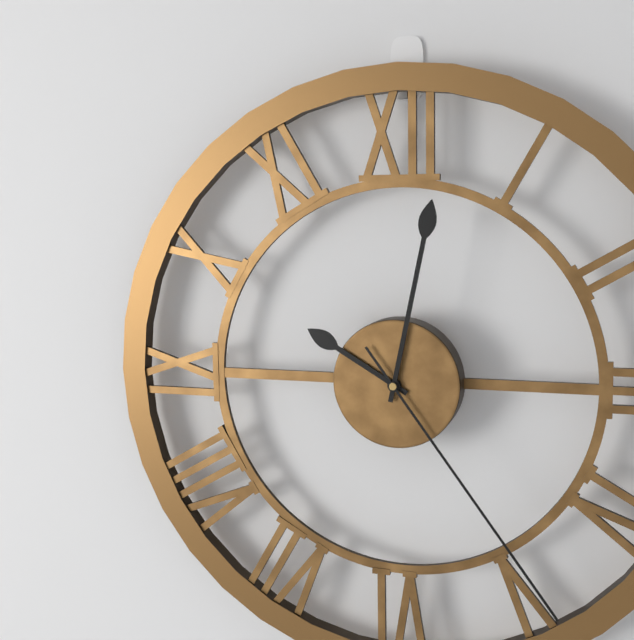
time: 10:02:24
